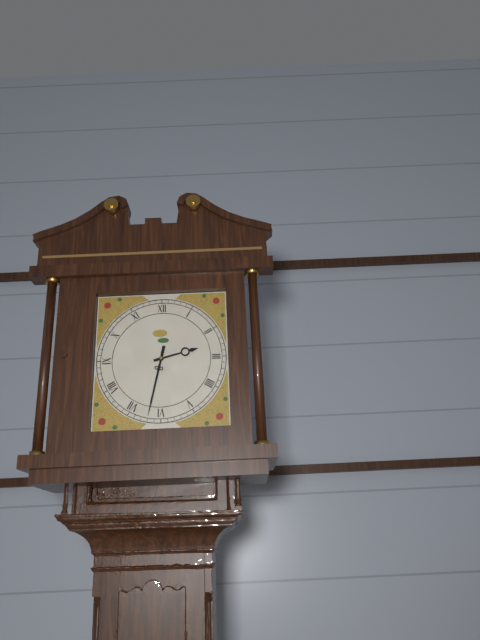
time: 2:32
